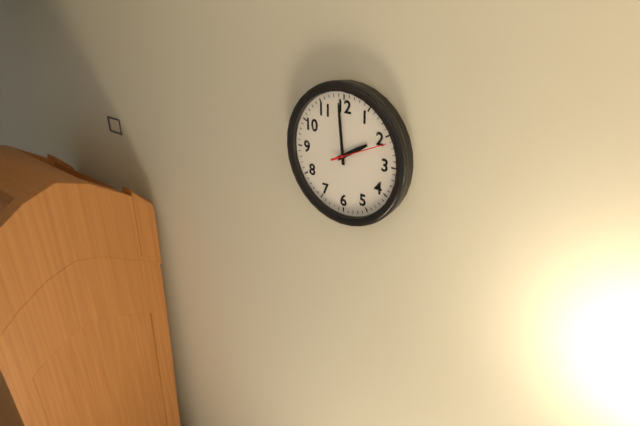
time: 1:59:11
